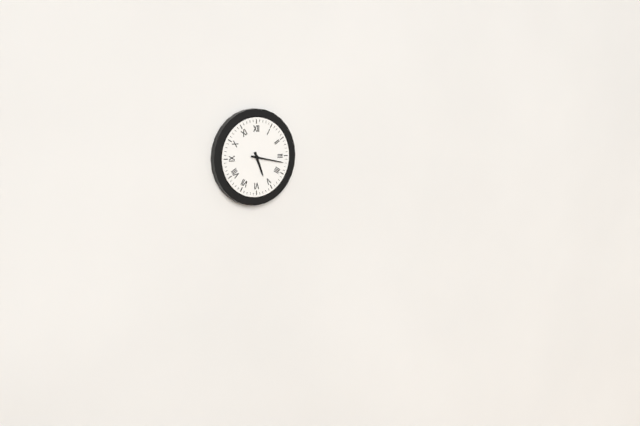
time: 5:17
